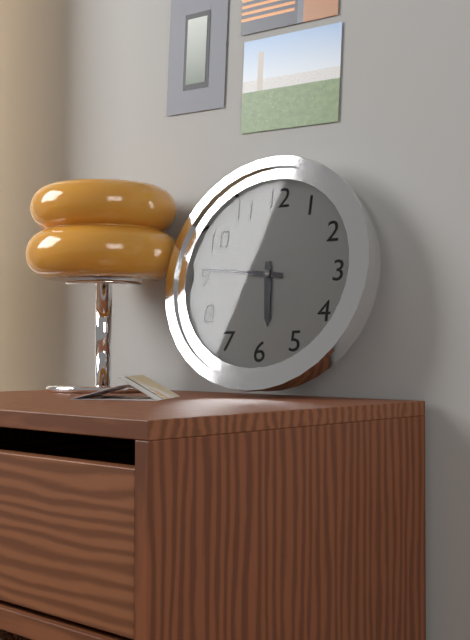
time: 5:46
